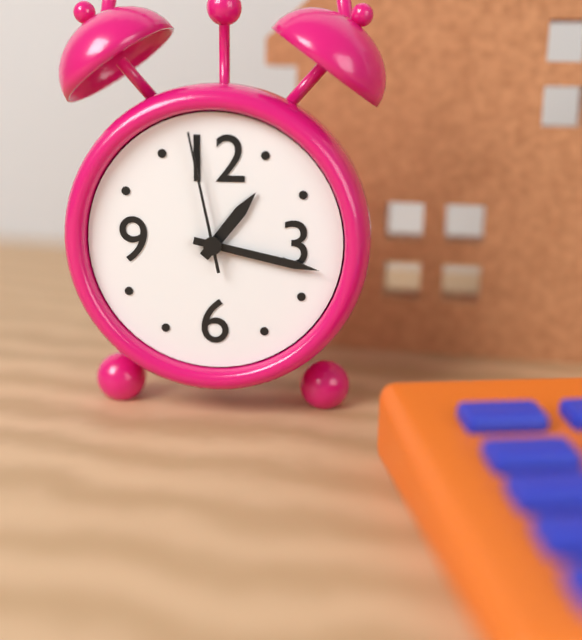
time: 1:17:58
